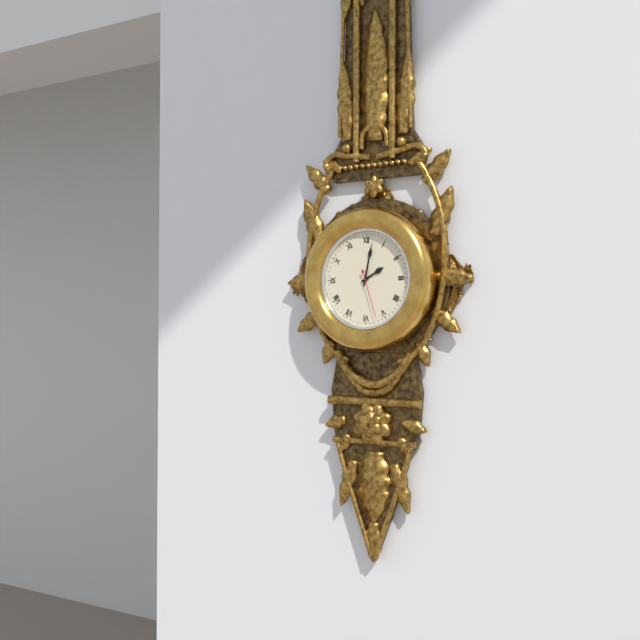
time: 2:02
